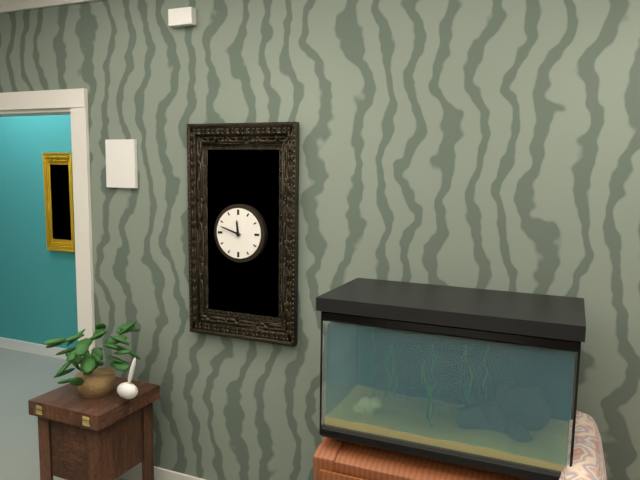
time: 11:48
